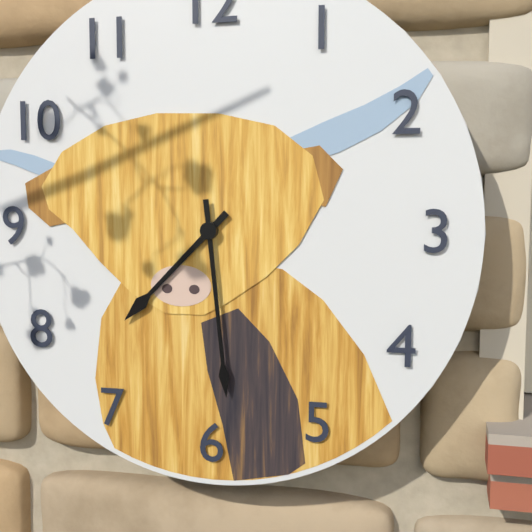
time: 7:29
